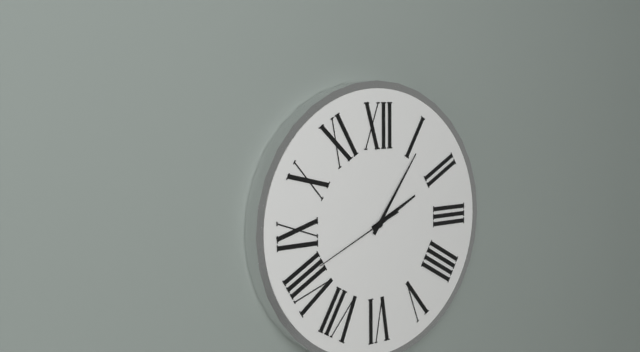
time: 2:06:41
